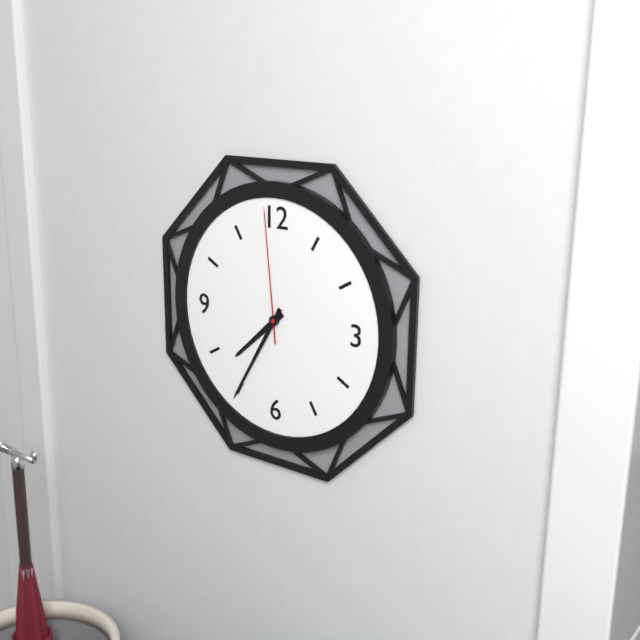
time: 7:35:59
